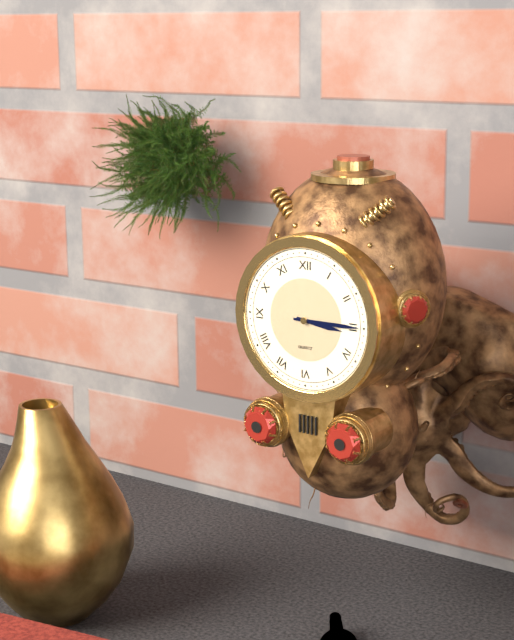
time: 3:15
